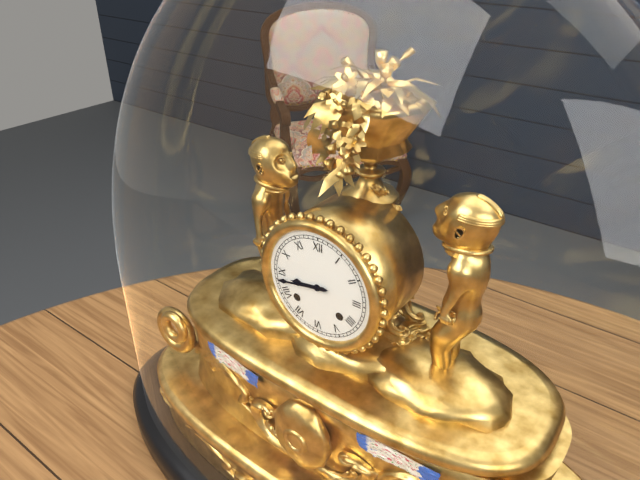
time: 8:43
